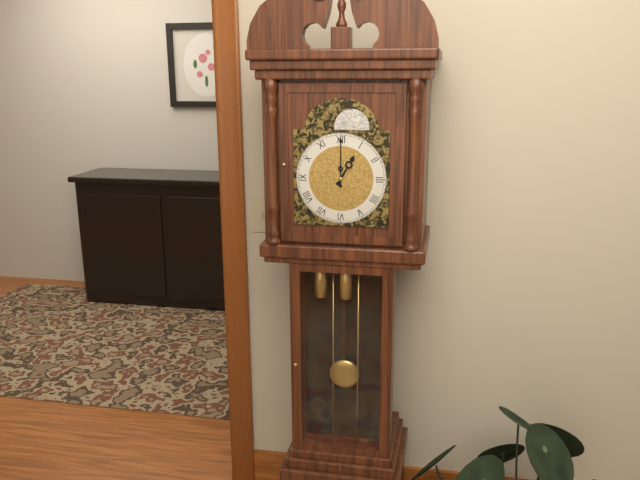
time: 1:00
